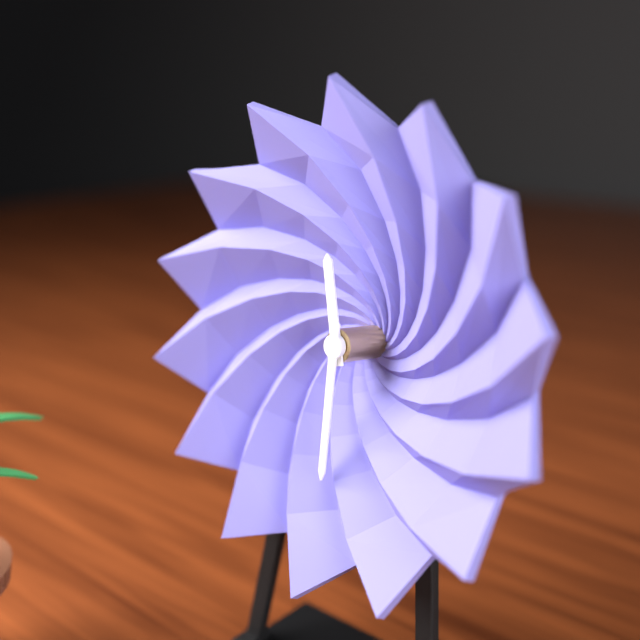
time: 11:30
